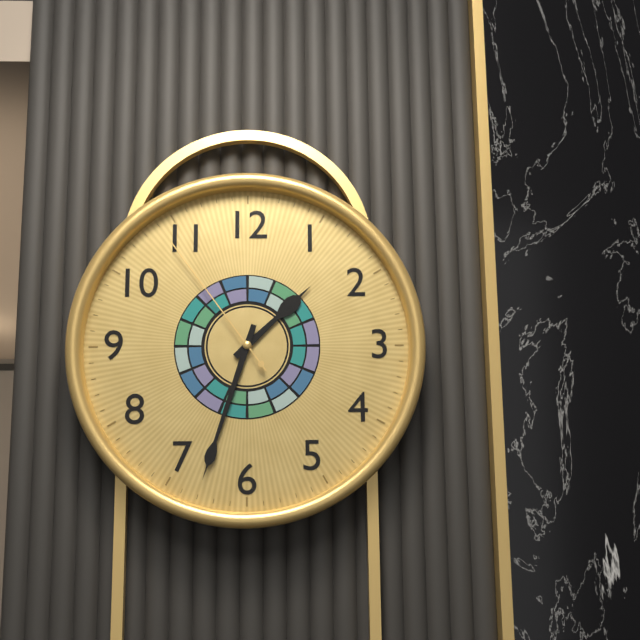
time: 1:33:54
